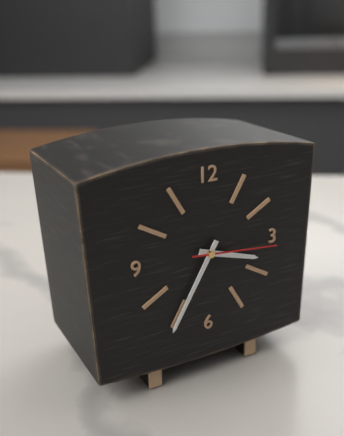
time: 3:35:16
